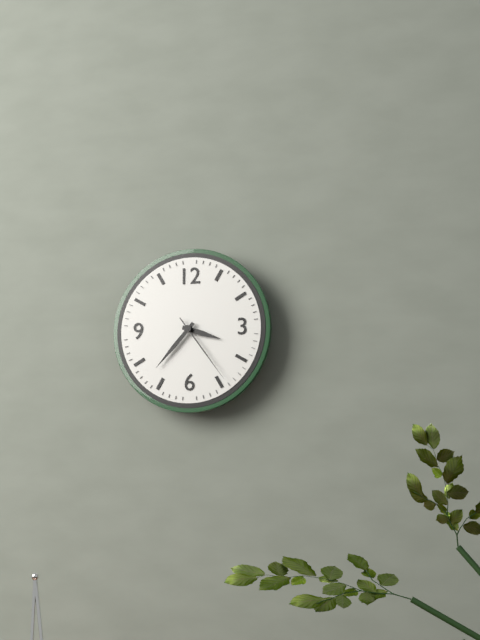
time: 3:37:24
